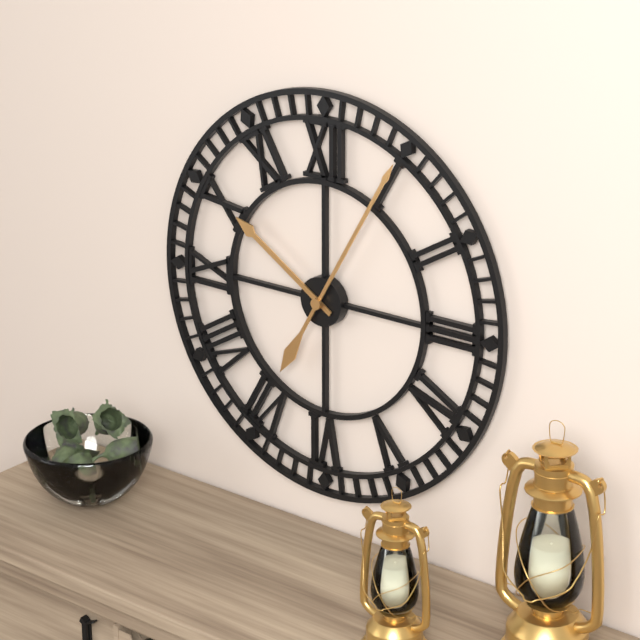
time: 10:05
